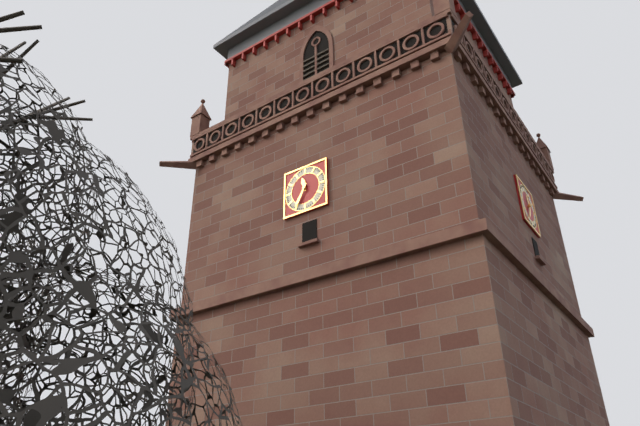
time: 11:35
